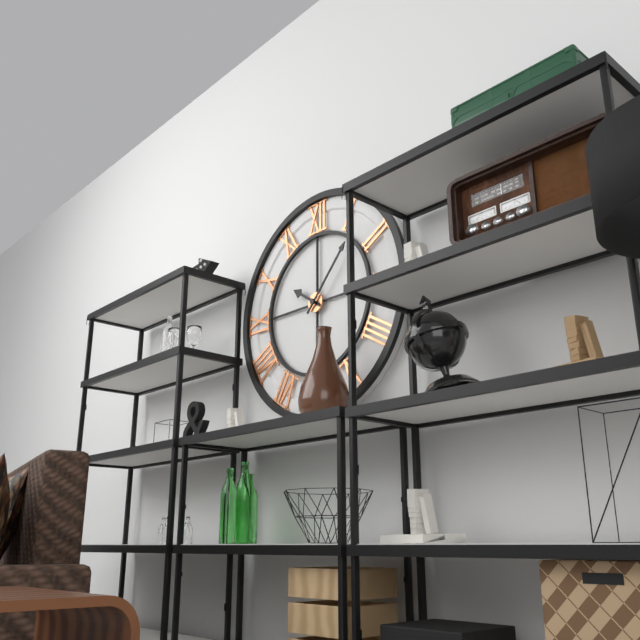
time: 10:07
